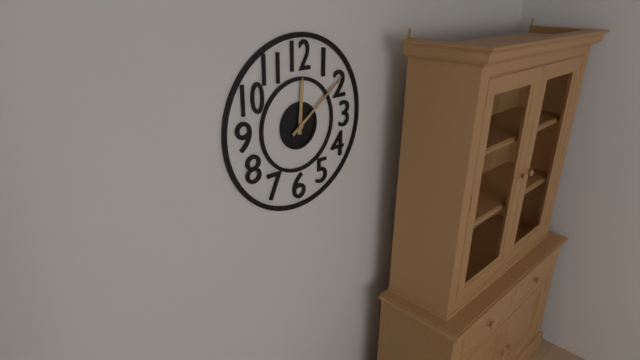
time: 12:09
